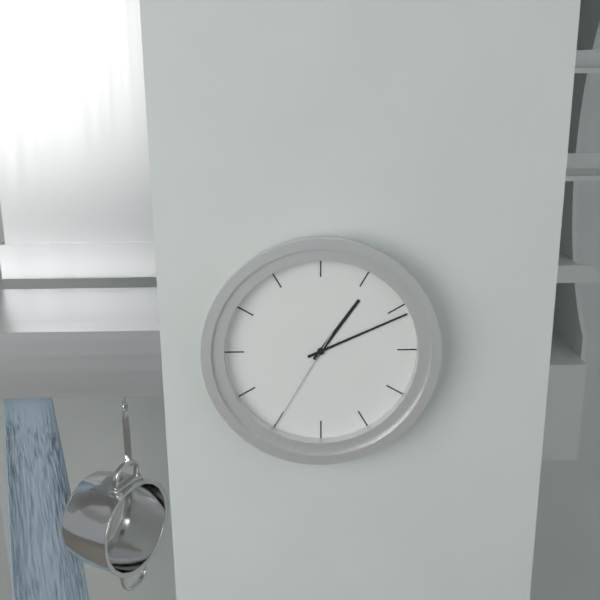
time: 1:11:35
